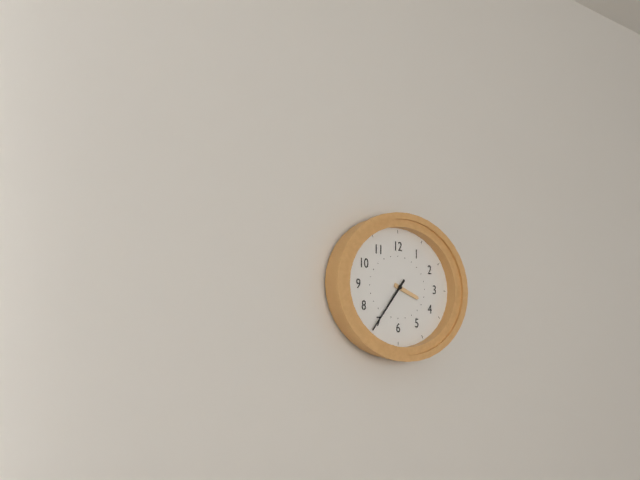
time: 3:37
